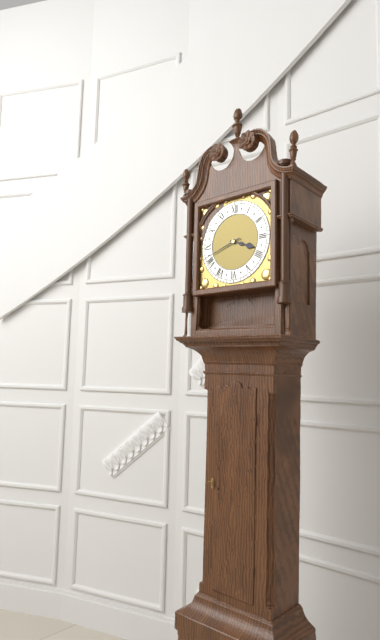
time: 3:42
